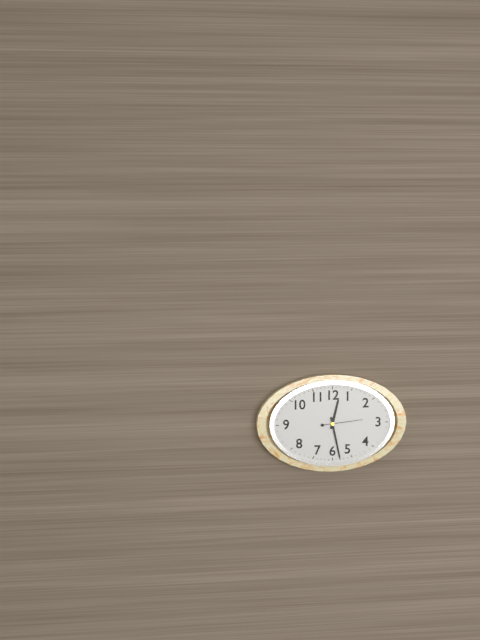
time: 12:28
